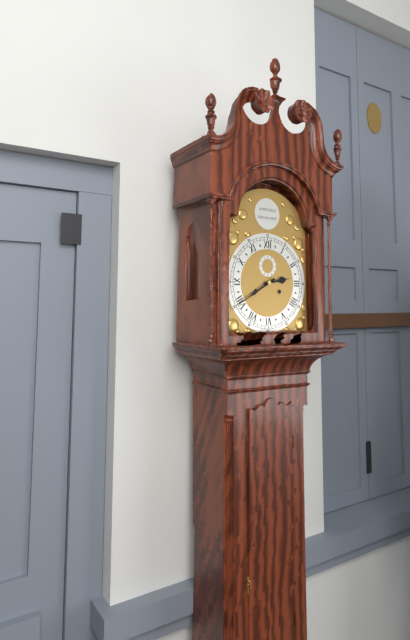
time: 2:40
